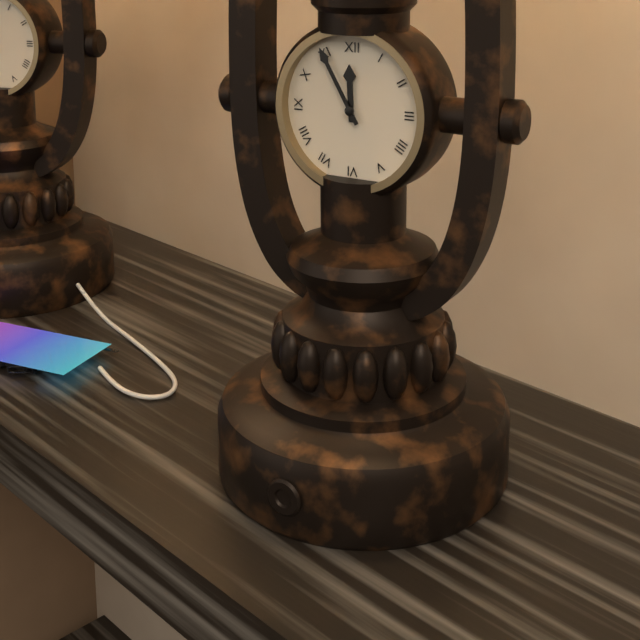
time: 11:55
